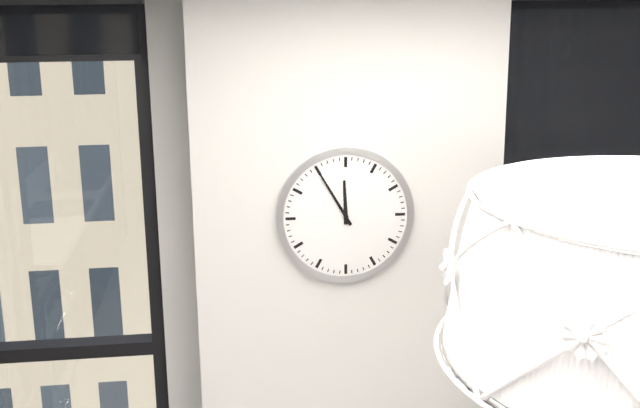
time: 11:55
